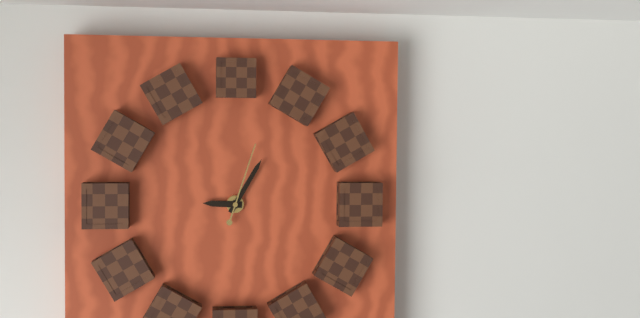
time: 9:05:03
